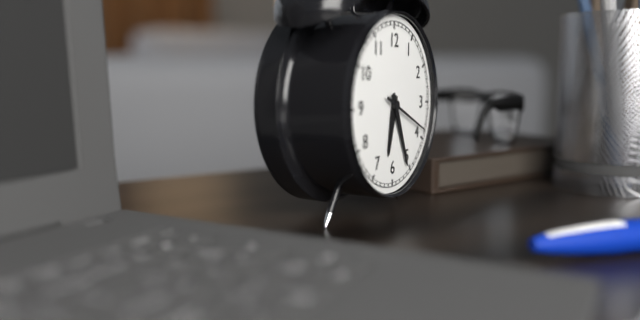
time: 6:26:19
